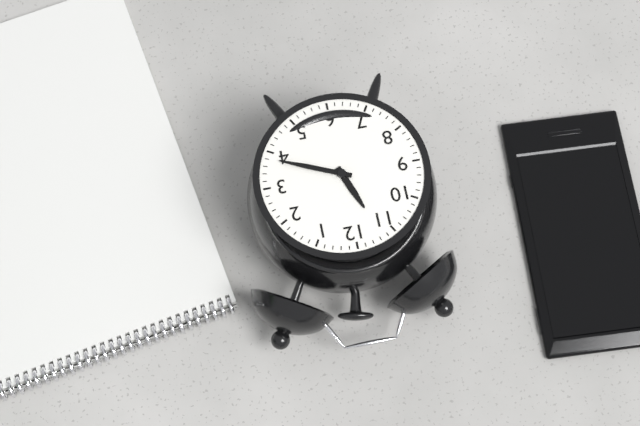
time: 11:19
